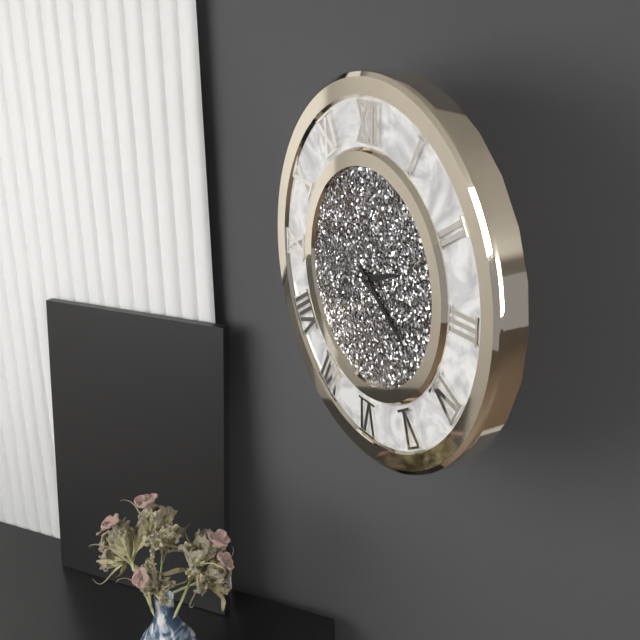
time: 2:21
